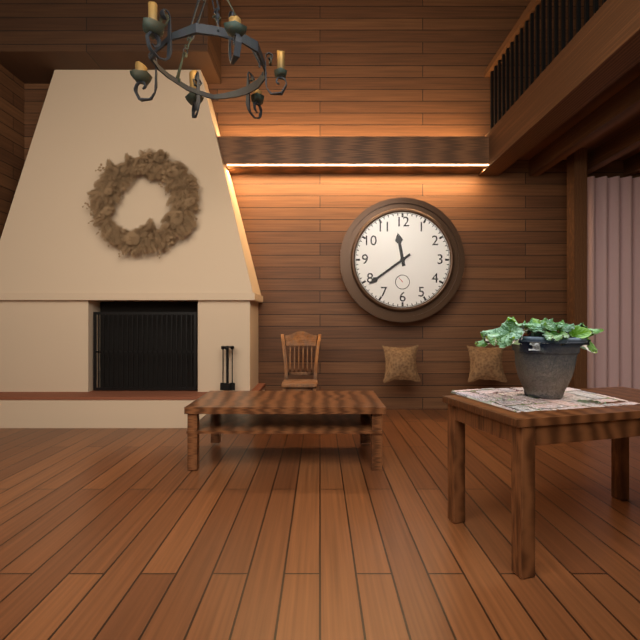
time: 11:39
